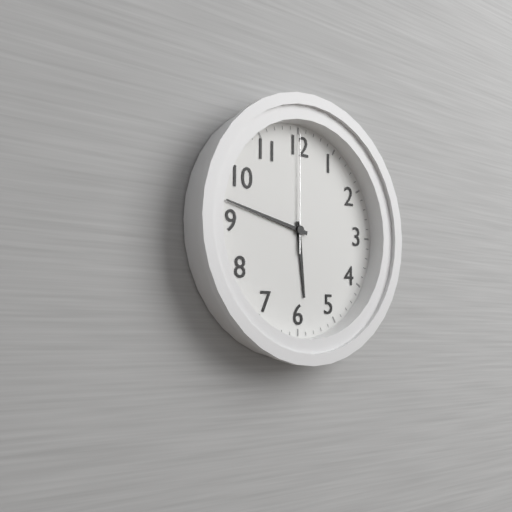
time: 5:47:00
